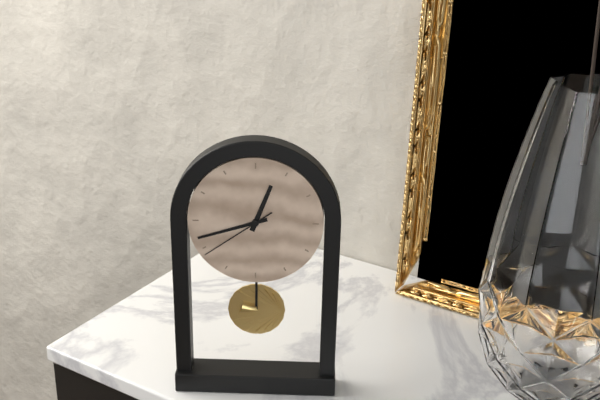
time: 12:42:39
